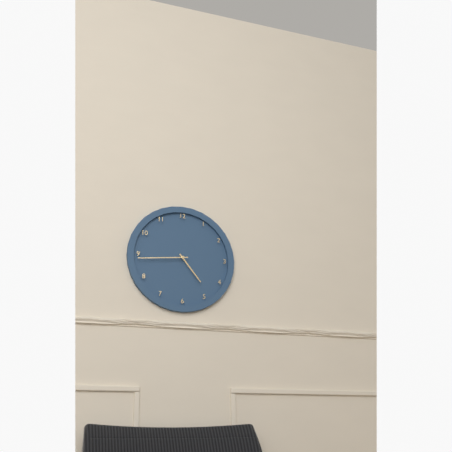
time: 4:44
